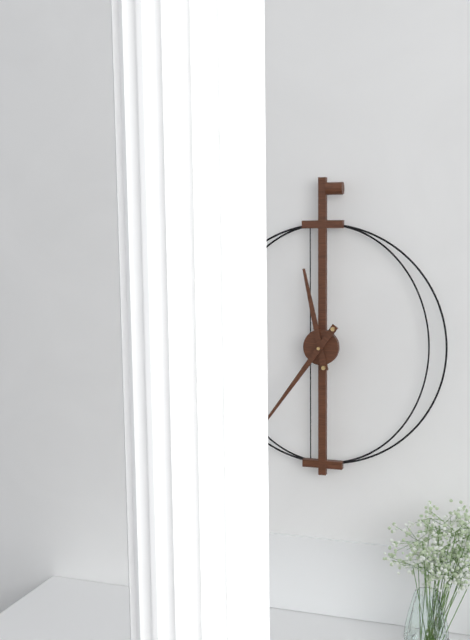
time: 11:36
